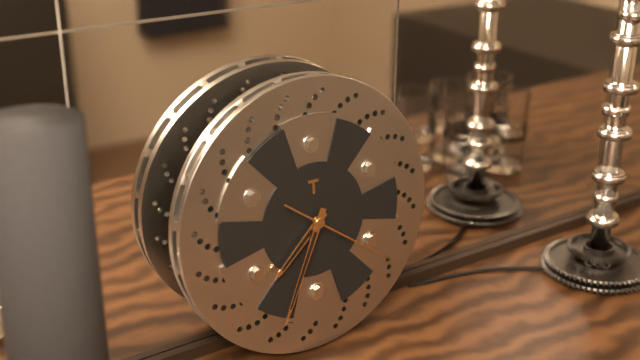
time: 7:34:21
